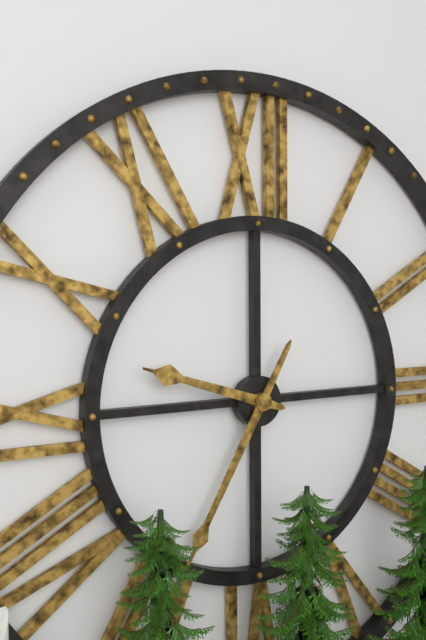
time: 9:35
